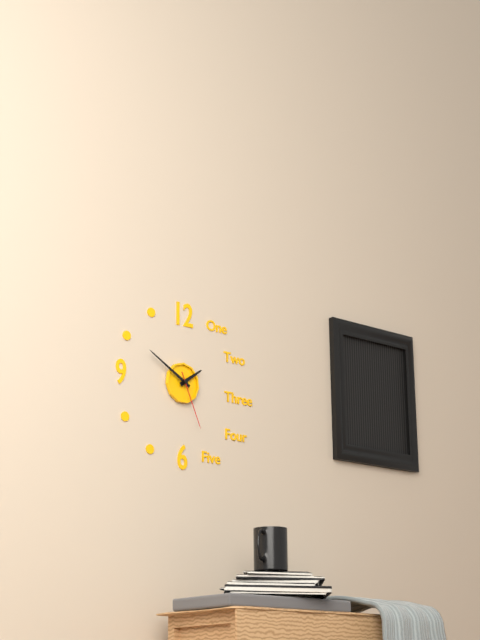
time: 1:50:26
